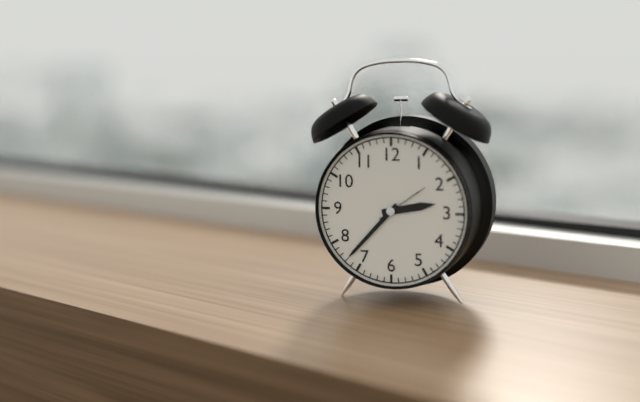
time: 2:37
